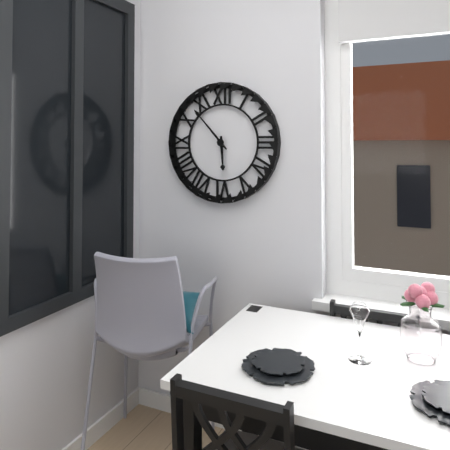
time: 5:53
